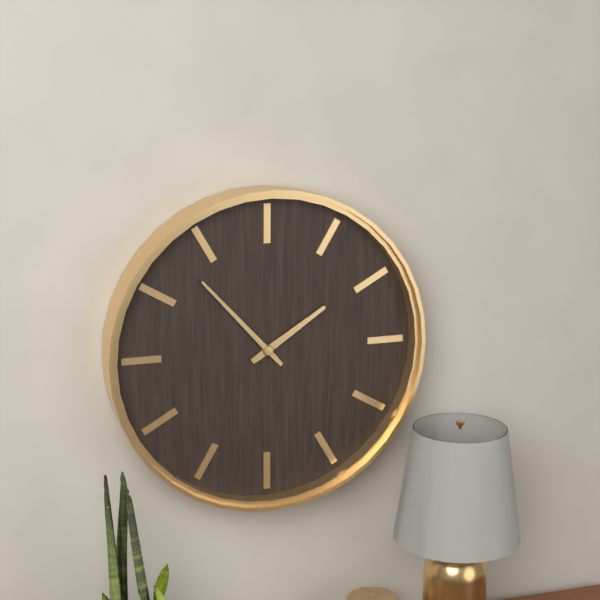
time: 1:53
